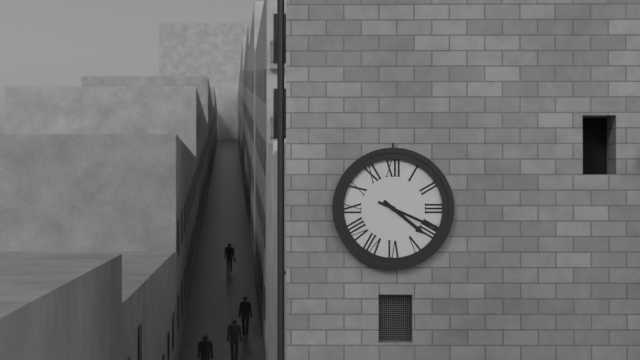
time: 4:19
